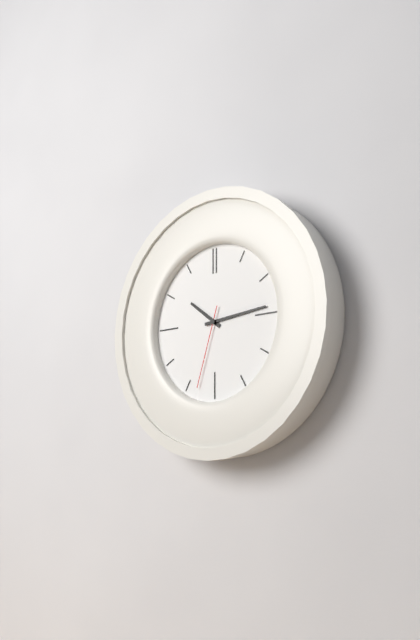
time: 10:14:33
